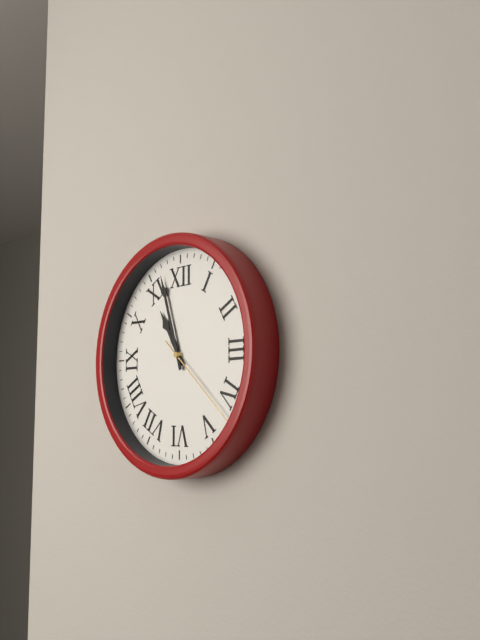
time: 10:57:22
